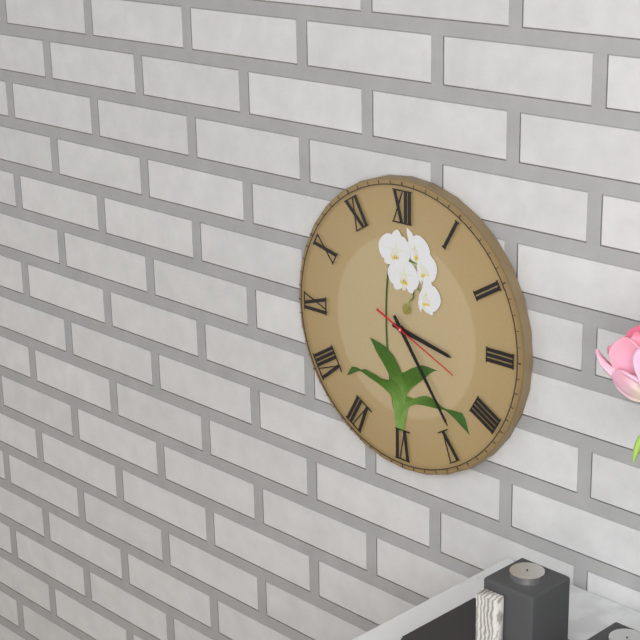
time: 3:24:19
